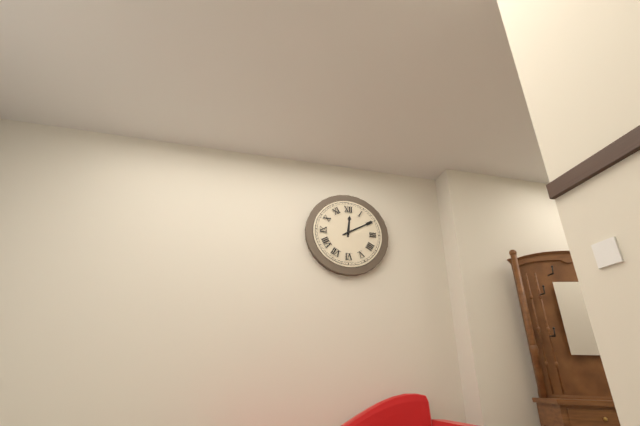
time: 12:10
